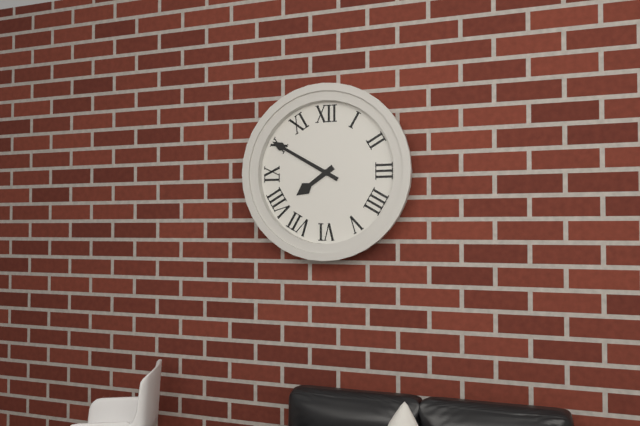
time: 7:50
